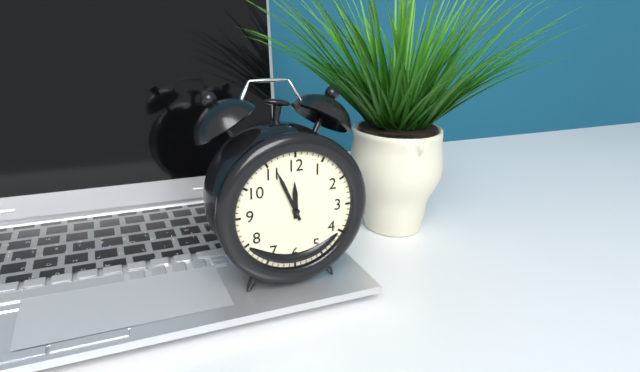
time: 11:56
